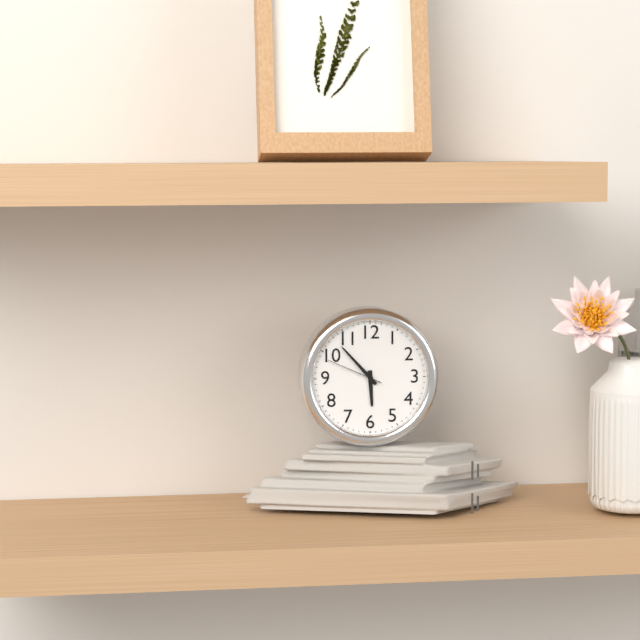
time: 5:53:49
